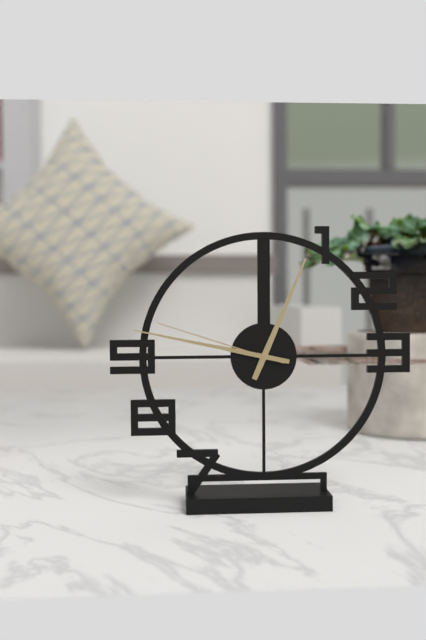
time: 12:47:48
